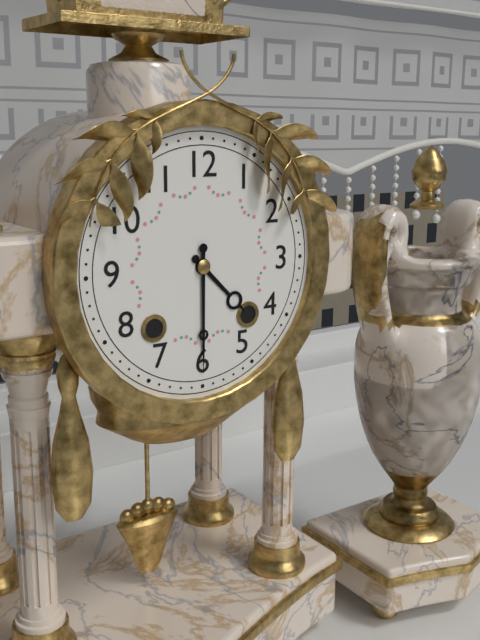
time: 4:30
